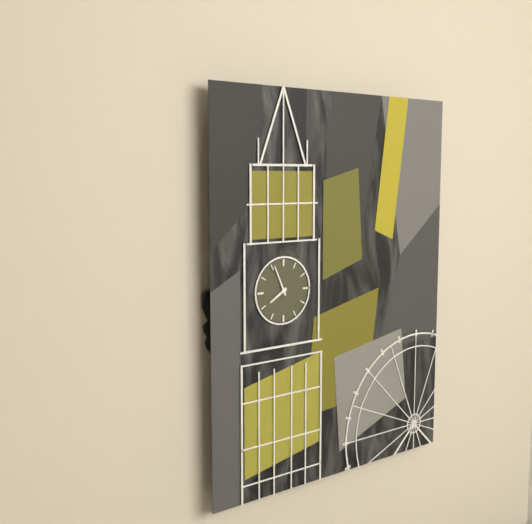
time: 7:56
